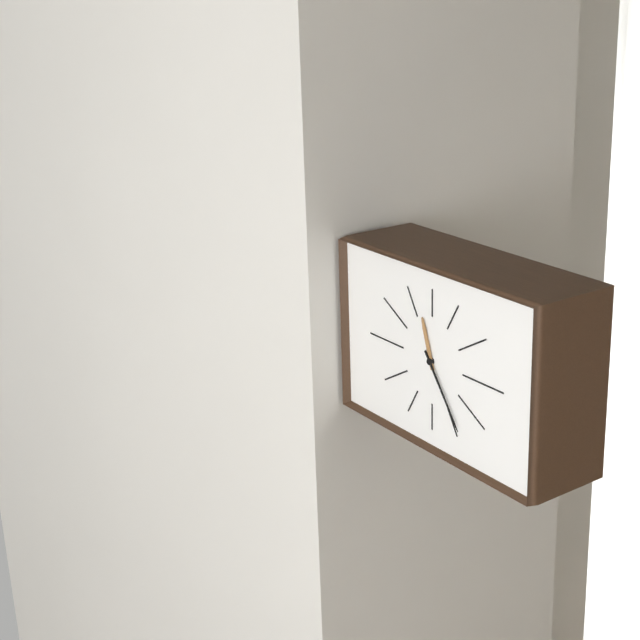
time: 11:24
